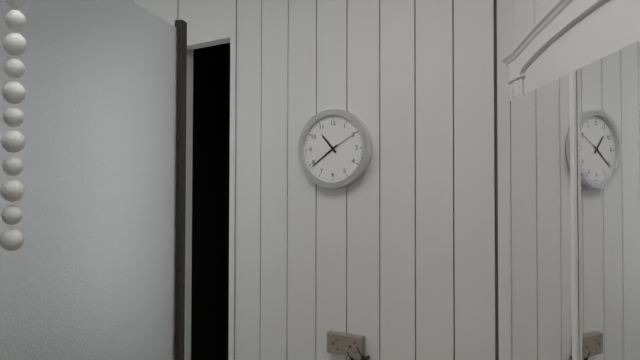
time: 10:39
